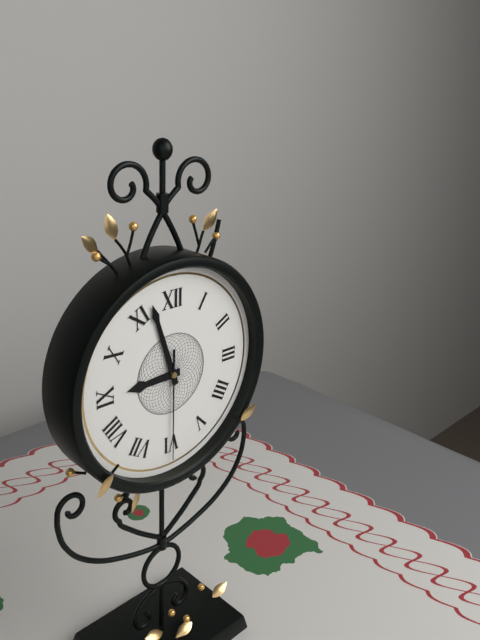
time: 8:57:30
